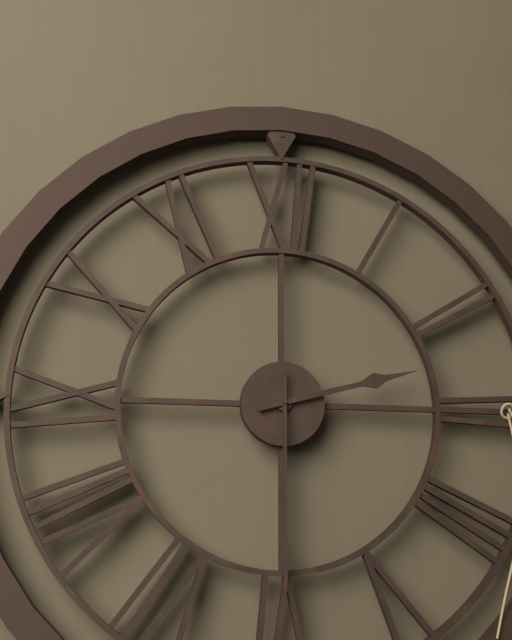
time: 2:30
